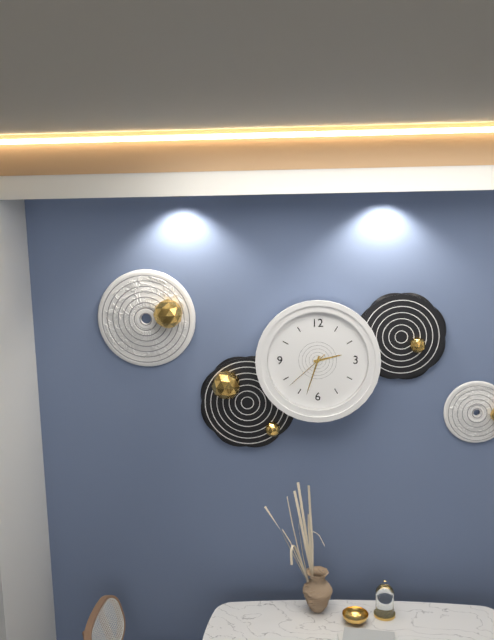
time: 2:33
